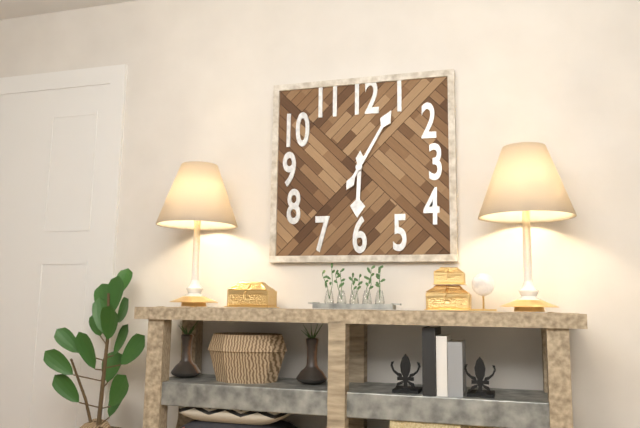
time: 6:05
